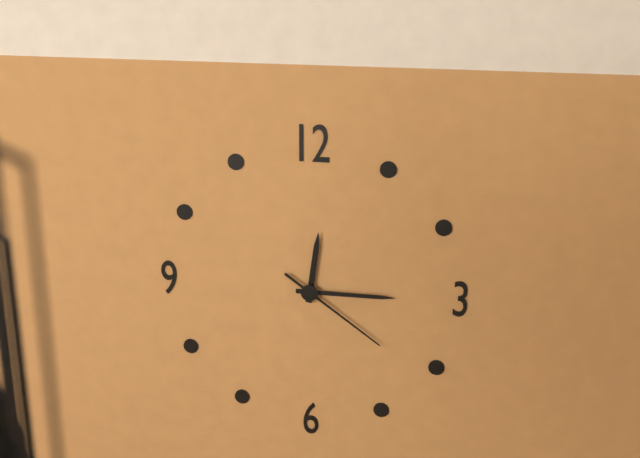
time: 12:15:21
